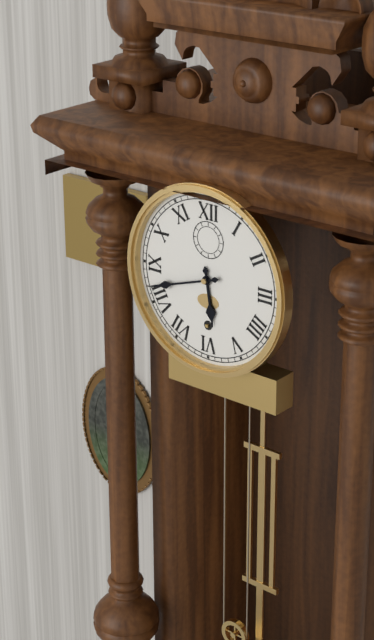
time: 5:42
